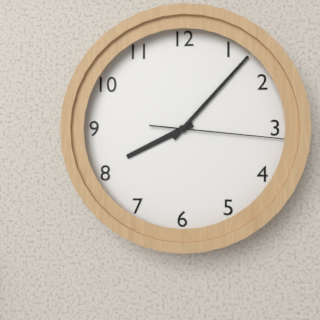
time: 8:07:16
